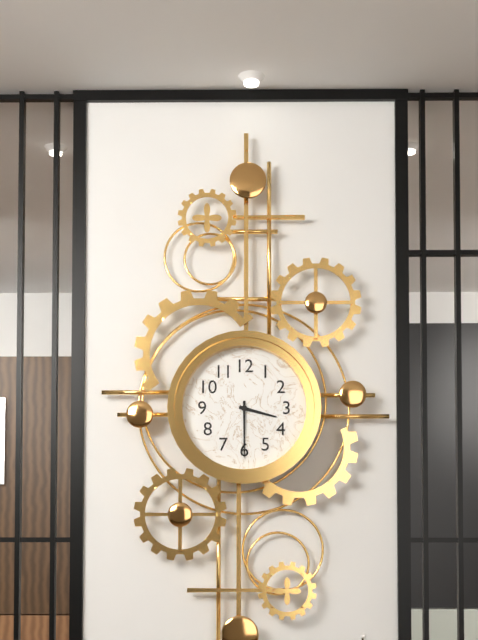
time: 3:30
